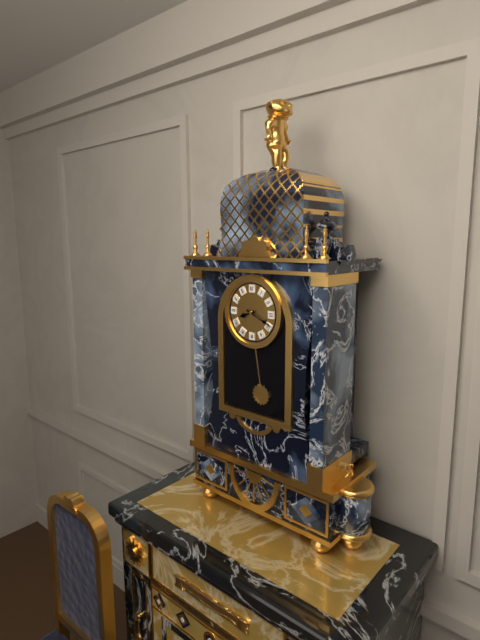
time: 8:19
